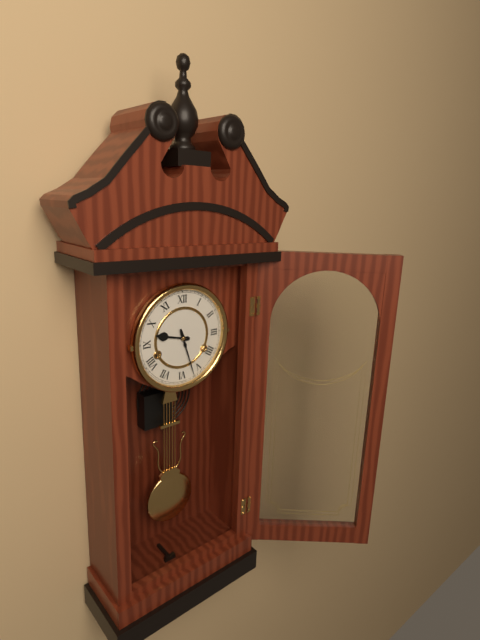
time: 9:27
